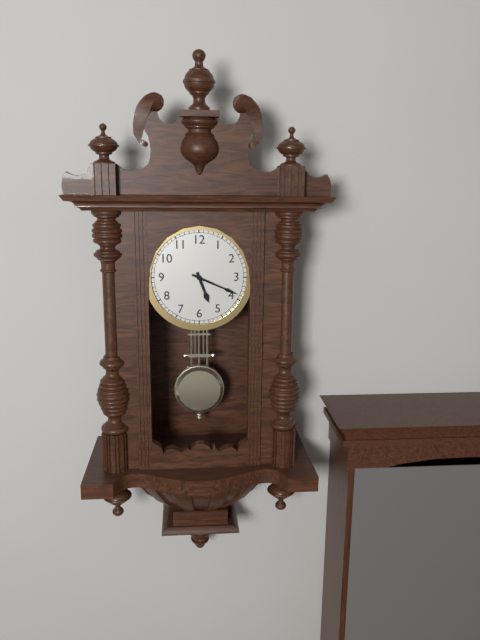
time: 5:19
